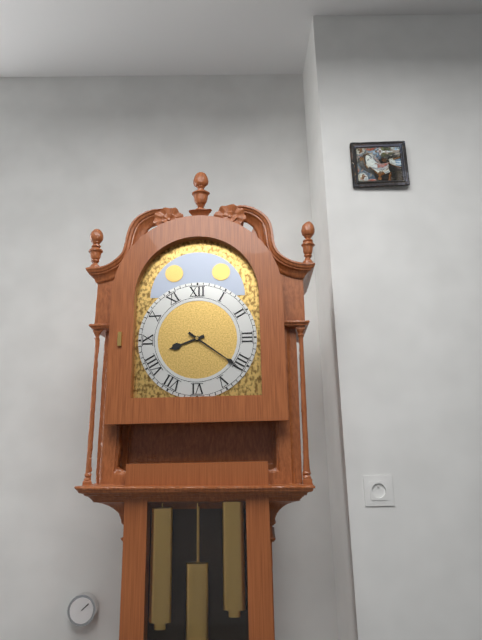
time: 8:21
